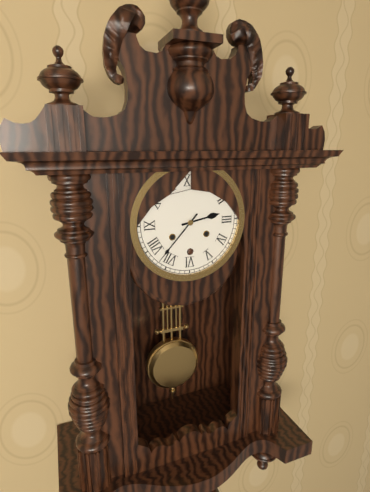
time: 2:37
